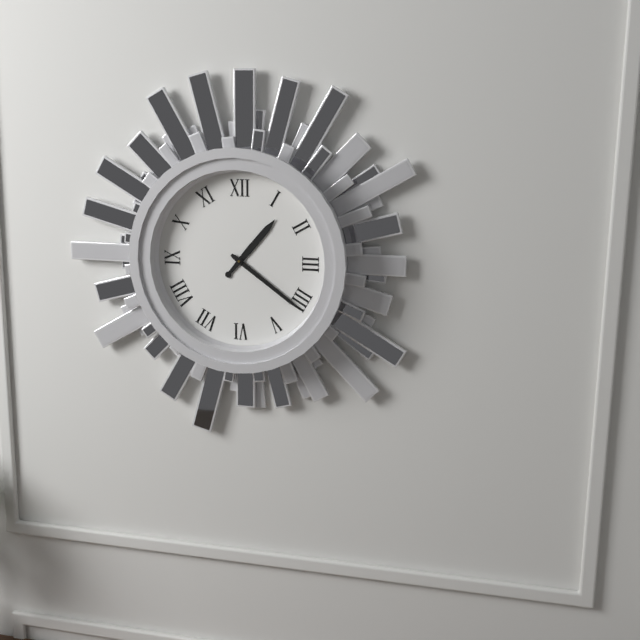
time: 1:21
